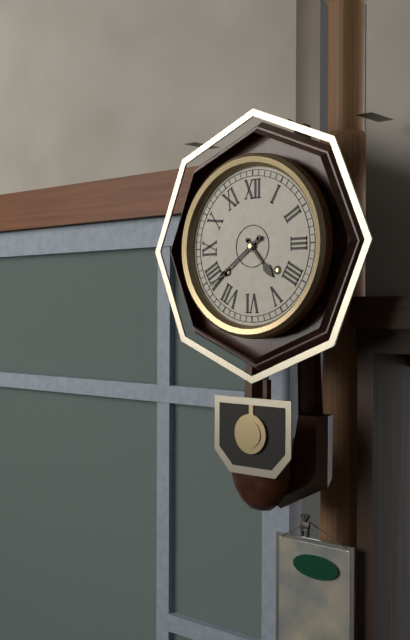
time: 4:39
